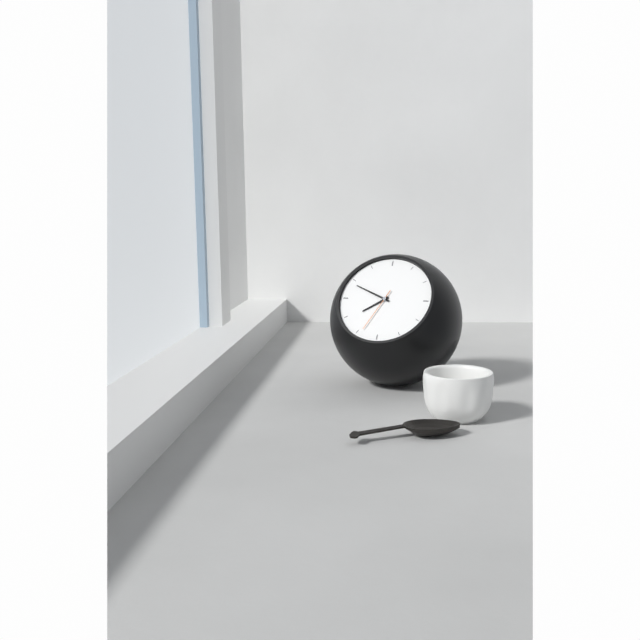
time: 7:49
